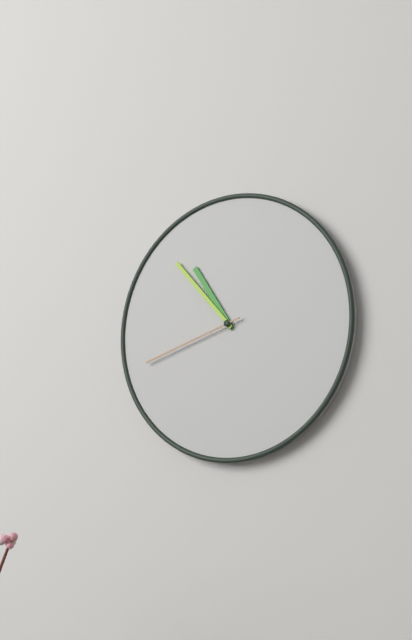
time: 10:53:42
